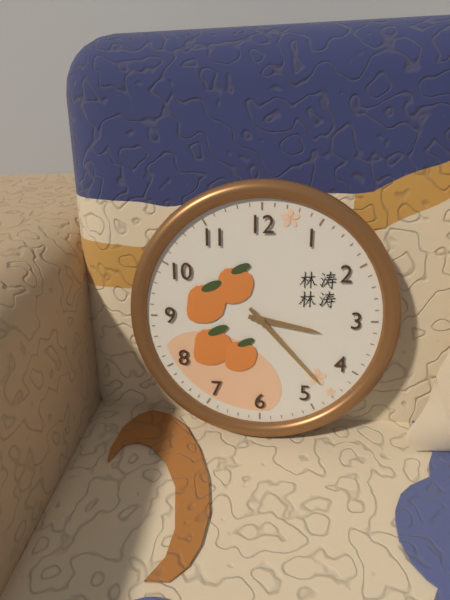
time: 3:23
